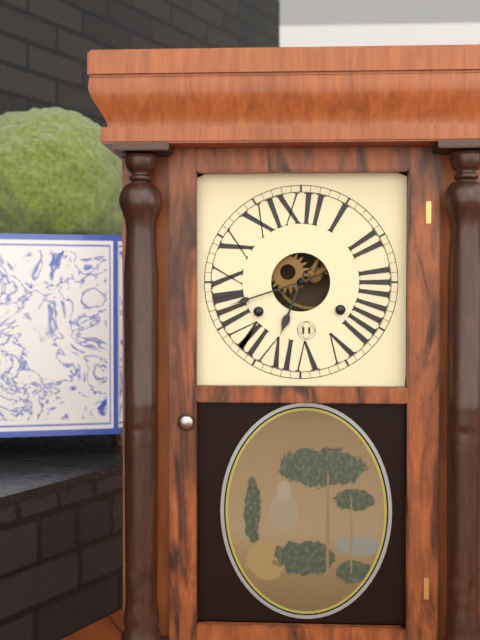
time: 6:42
